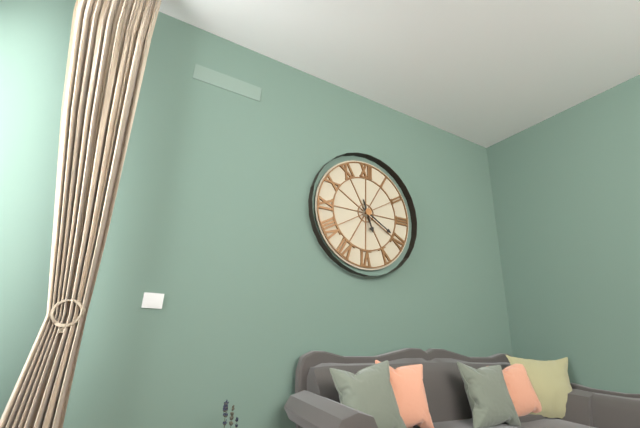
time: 5:20
